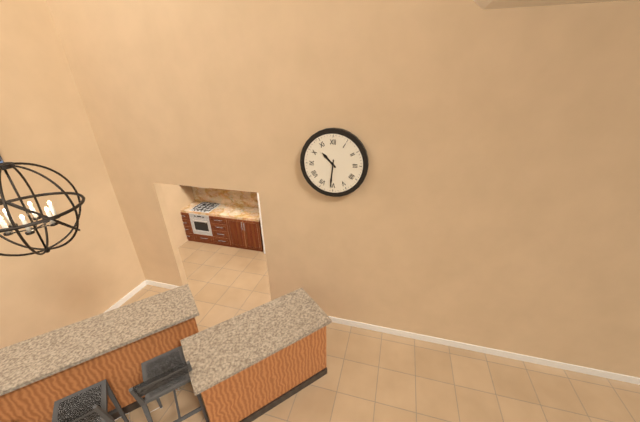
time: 10:31
